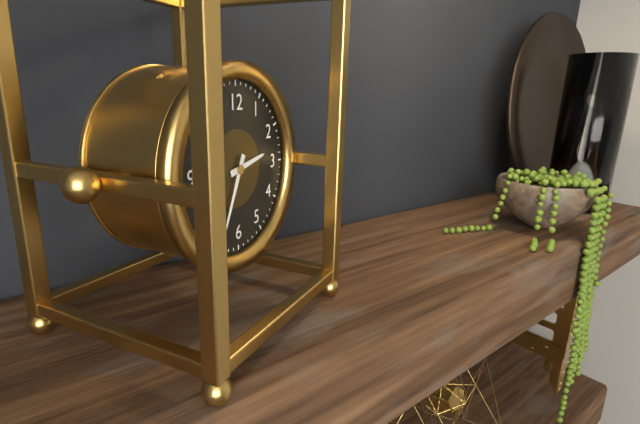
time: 2:34
